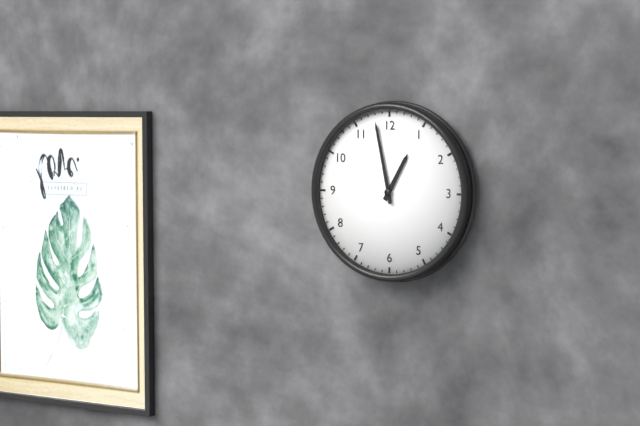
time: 12:58
